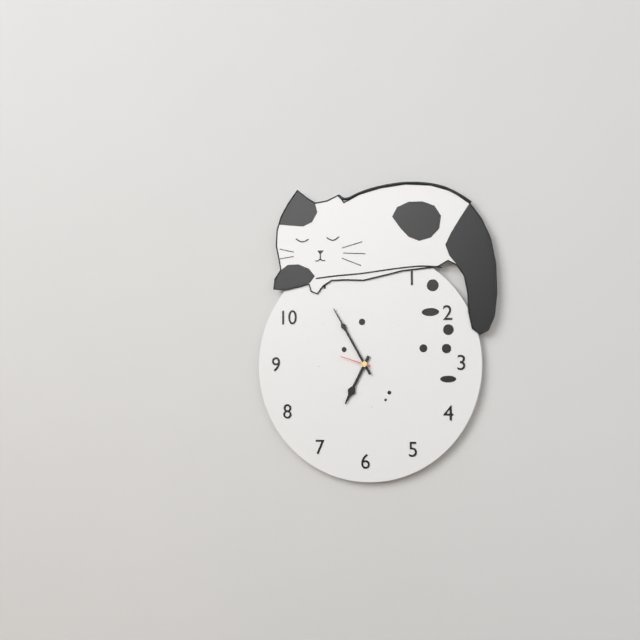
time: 6:55
